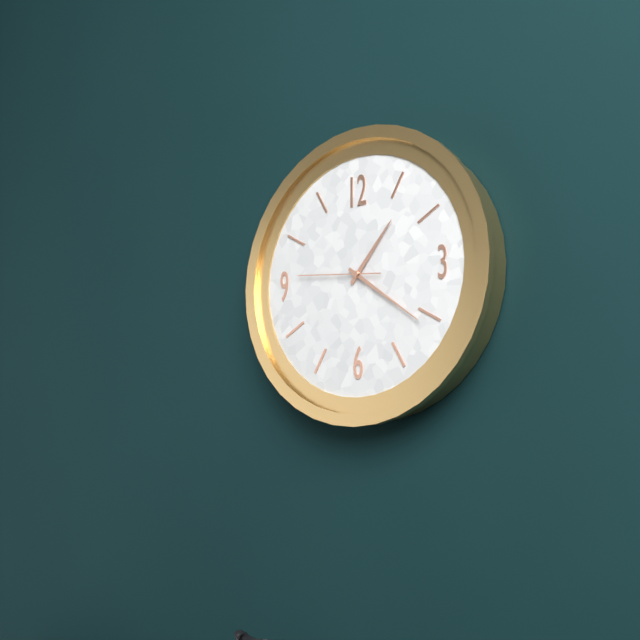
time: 1:21:46
